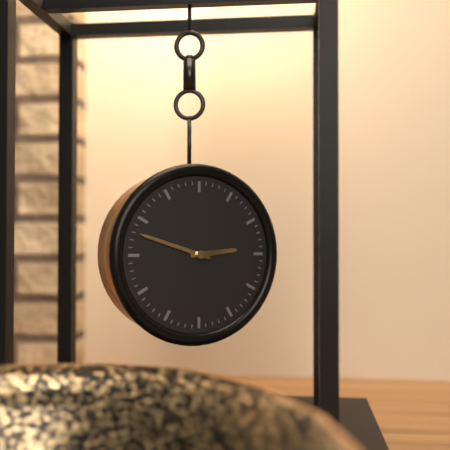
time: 2:48
